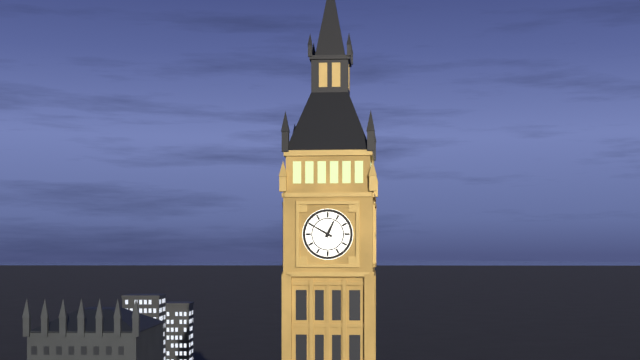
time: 12:50
